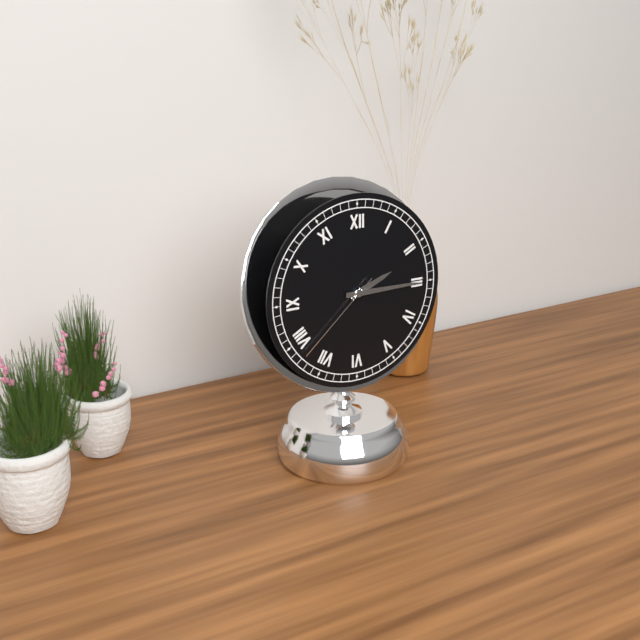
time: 2:15:38
